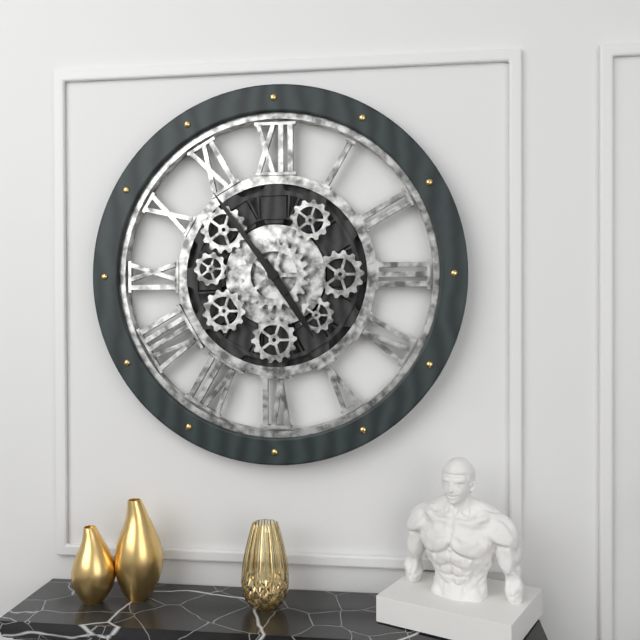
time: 4:54
